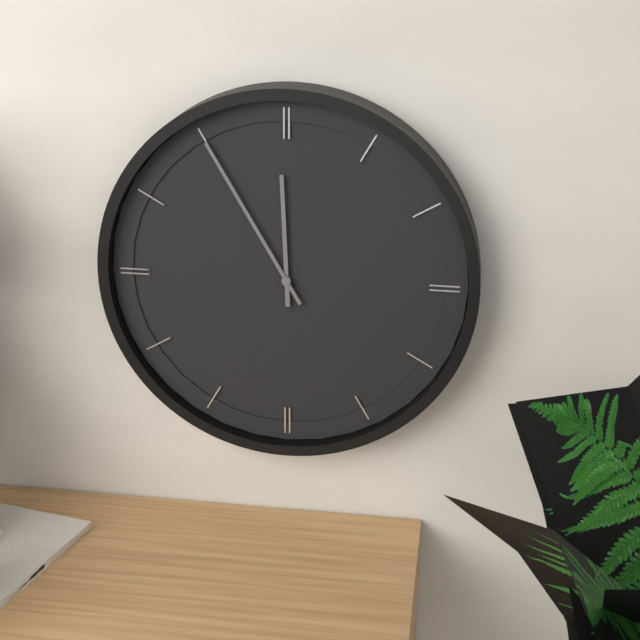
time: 11:55
